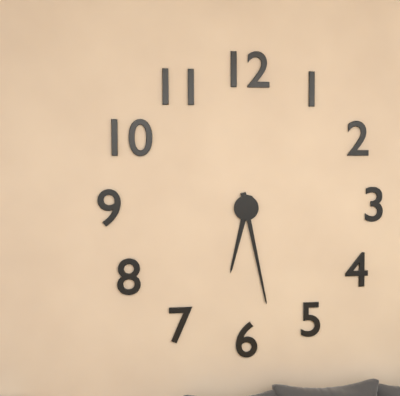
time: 6:28
